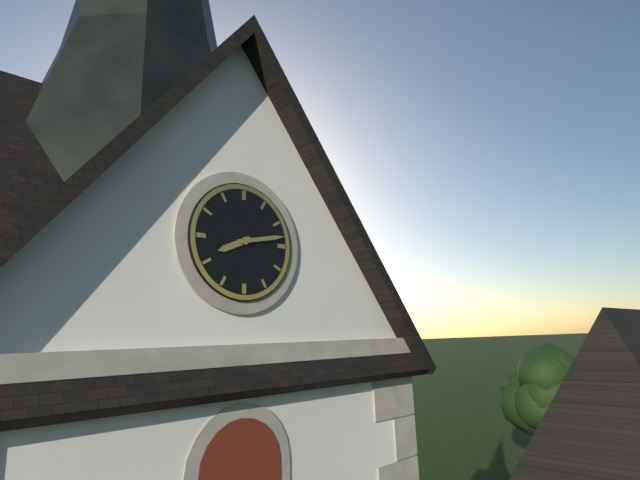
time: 8:13
